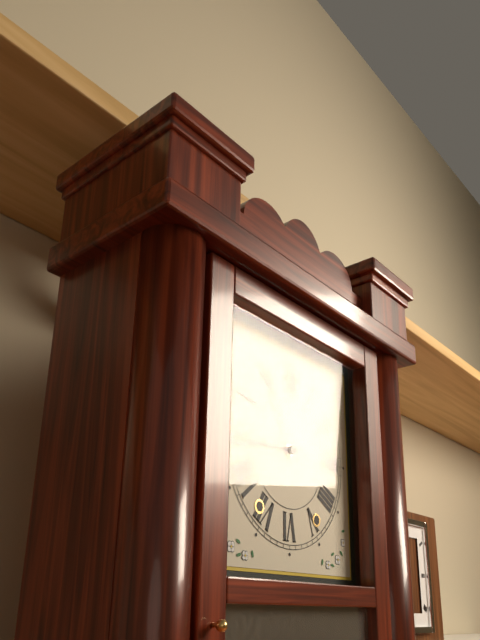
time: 8:55
